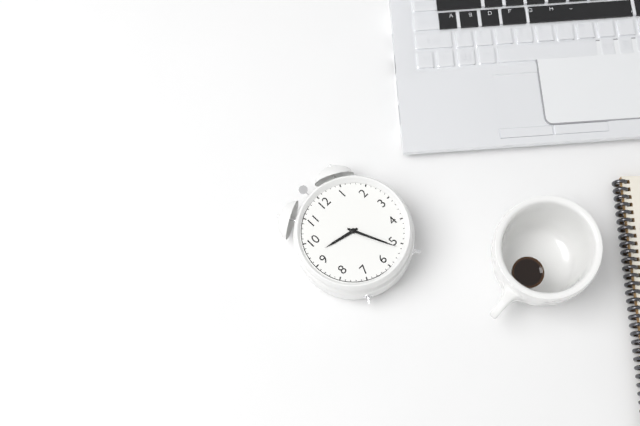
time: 9:26
